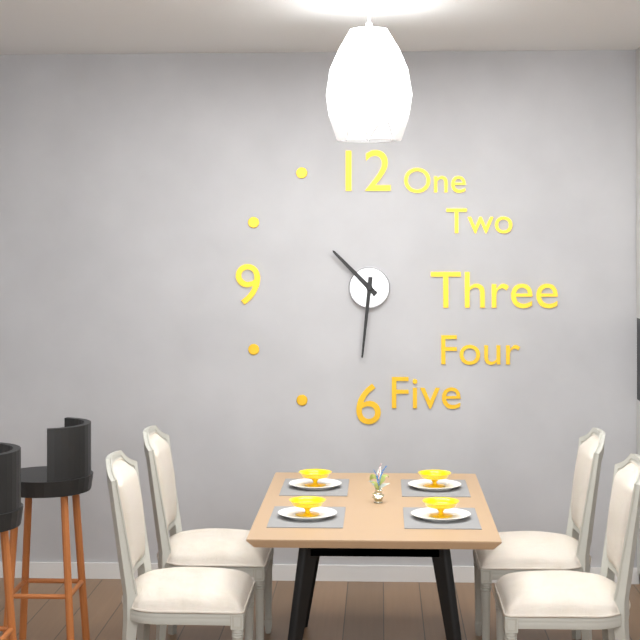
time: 10:31
